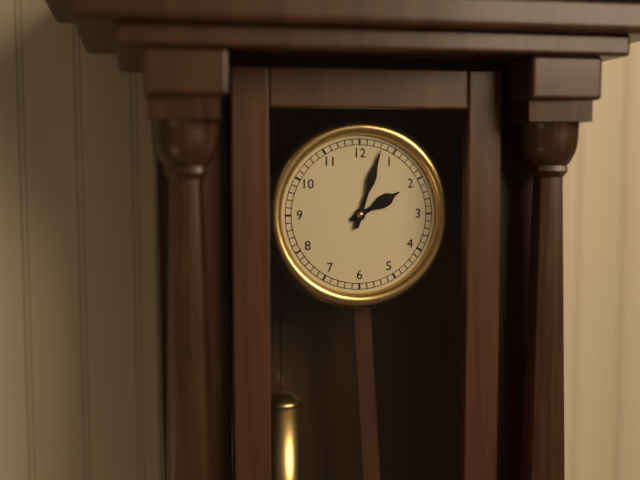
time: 2:03
